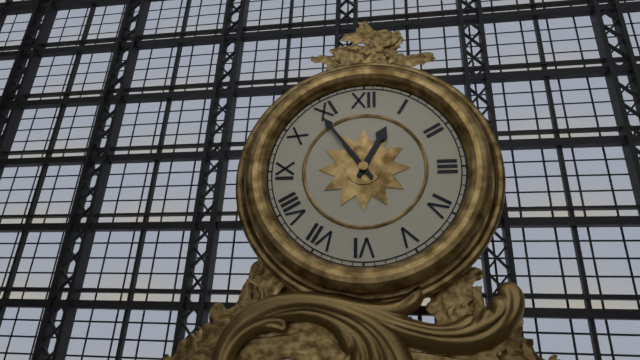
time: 12:54
